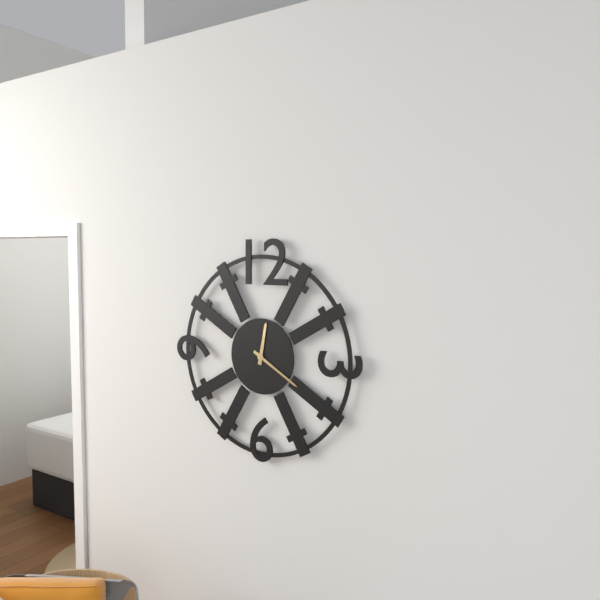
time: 12:20
